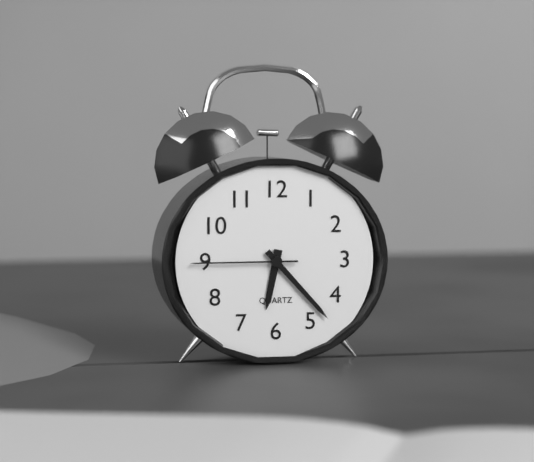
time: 6:23:45
